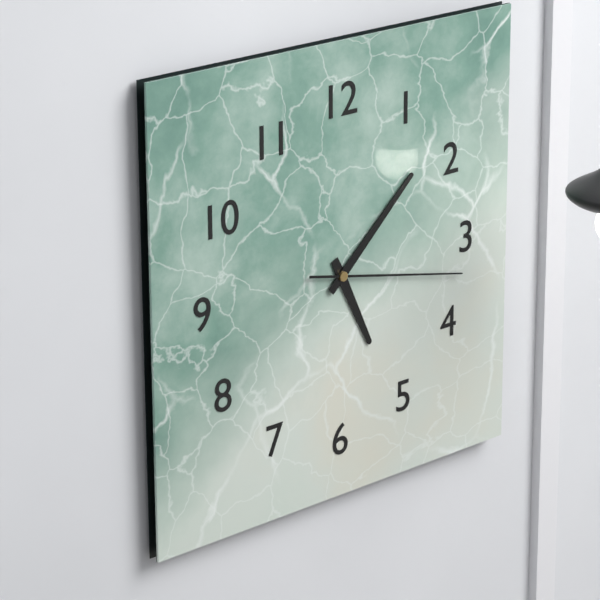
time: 5:08:17
